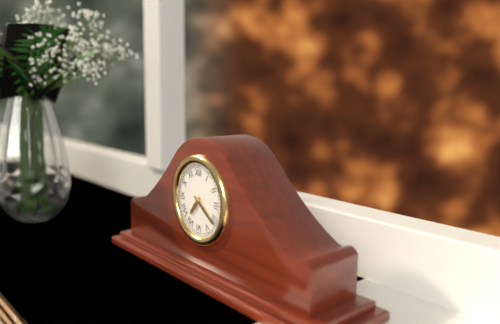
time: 7:21
